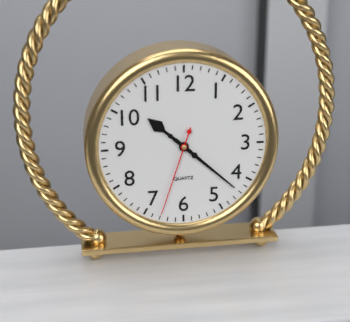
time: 10:22:33
